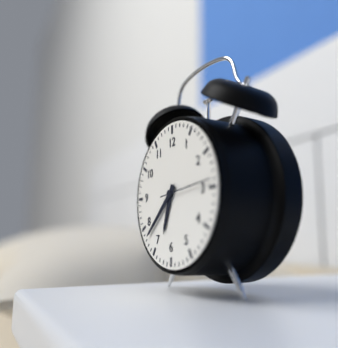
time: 6:38
